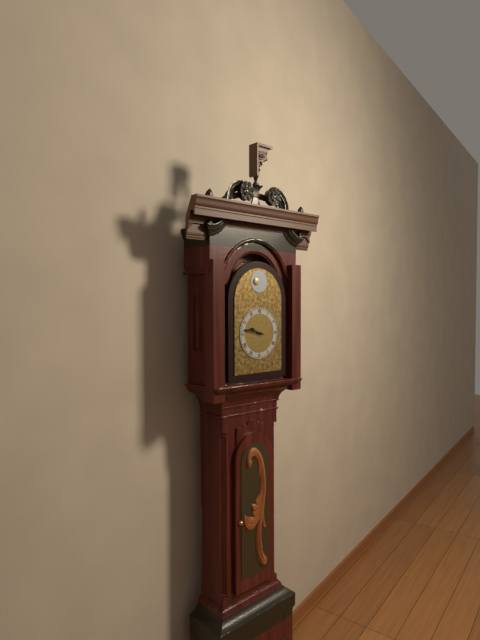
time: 9:47
